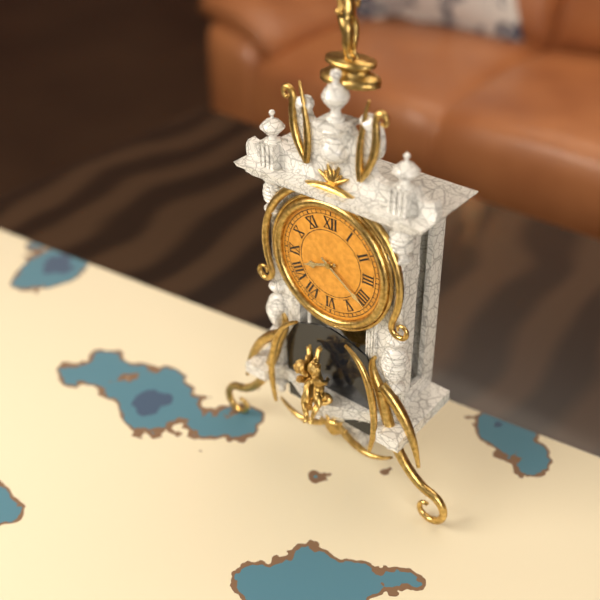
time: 8:21
